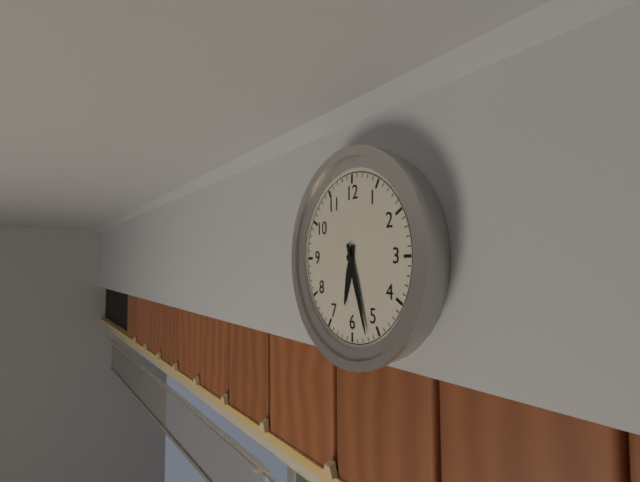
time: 6:27
